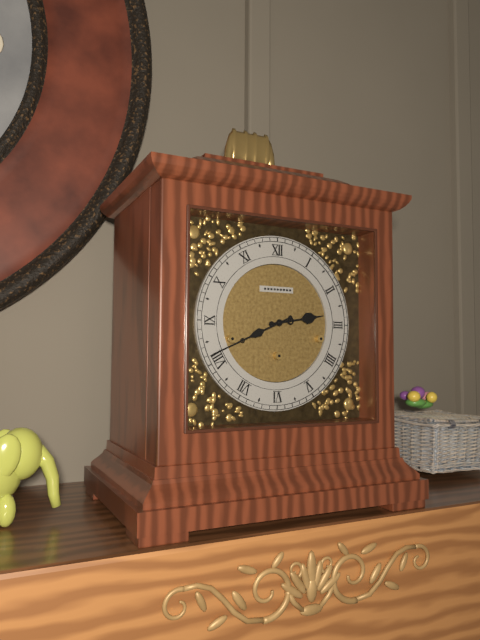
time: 2:41
